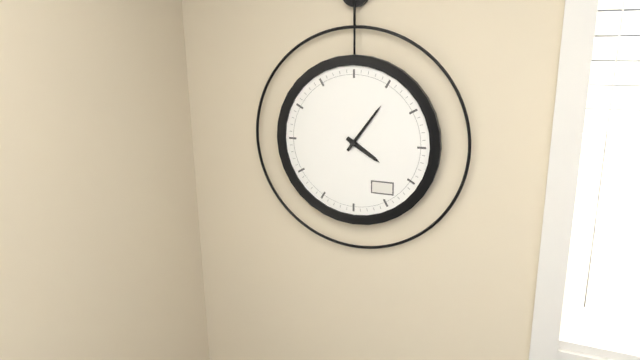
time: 4:06
